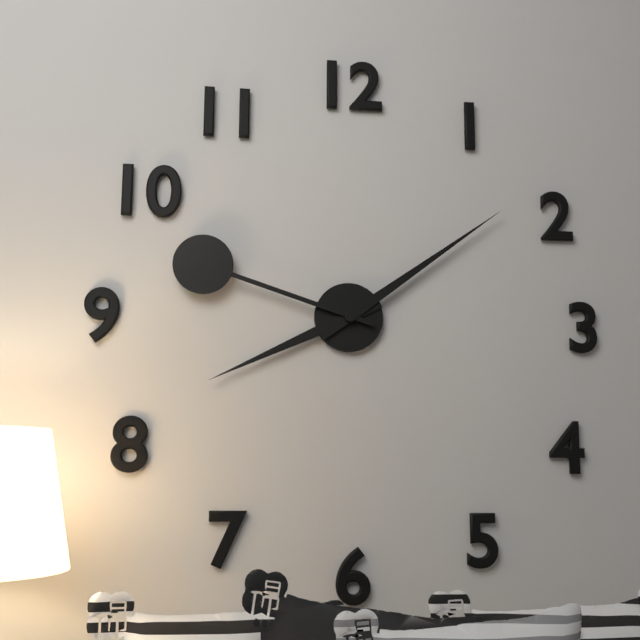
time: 8:09:48
